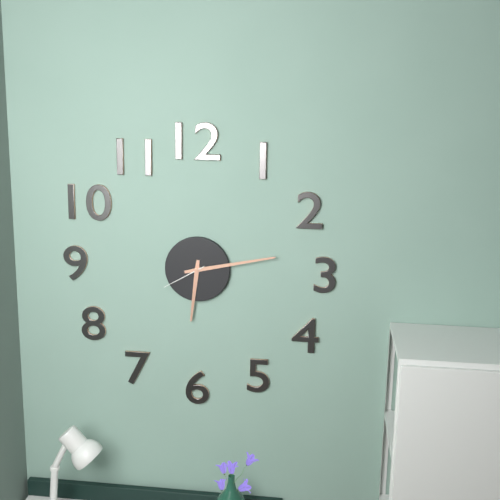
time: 6:13
